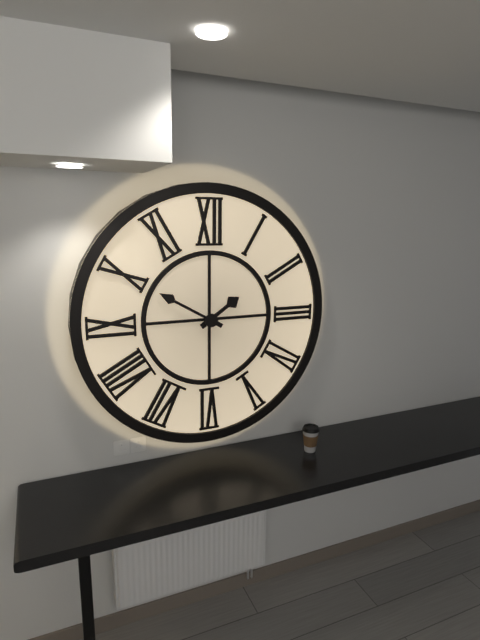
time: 1:50
